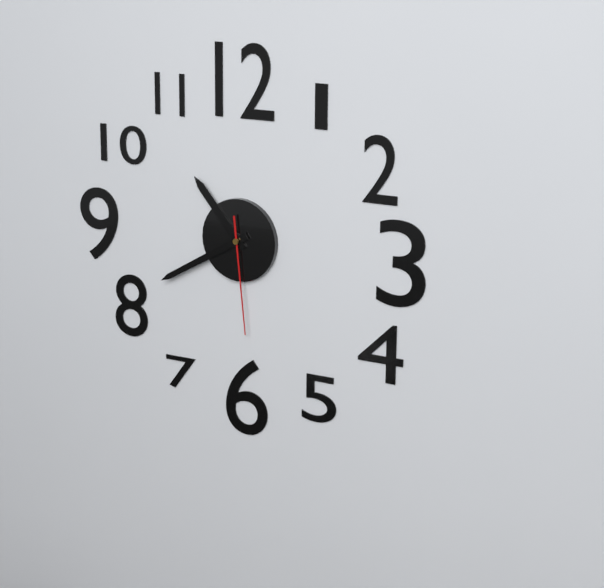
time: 10:40:29
